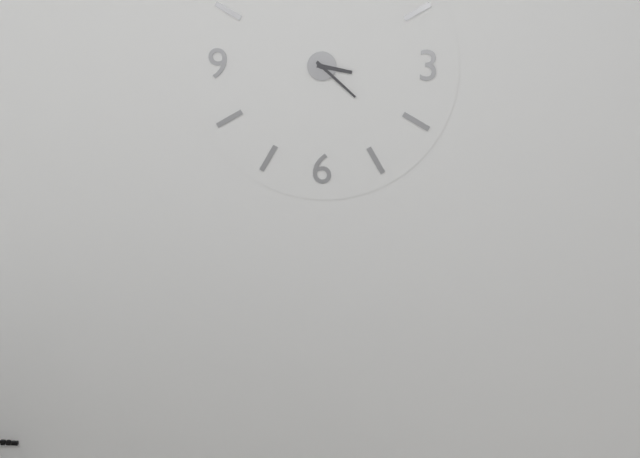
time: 3:22
